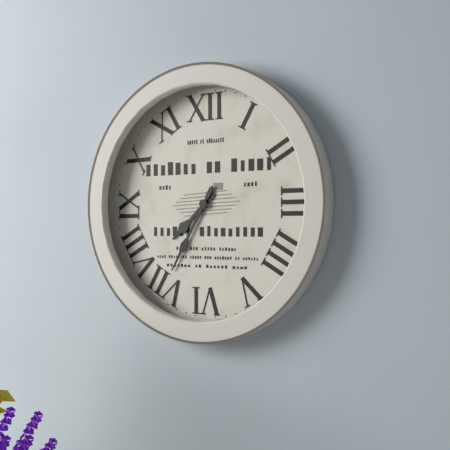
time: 7:35
